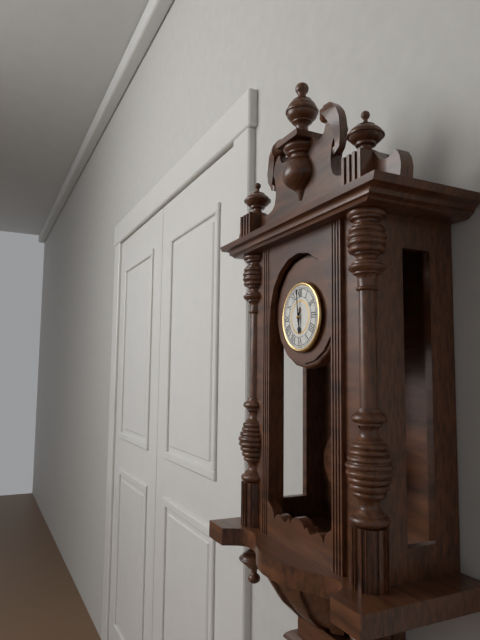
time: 5:59
